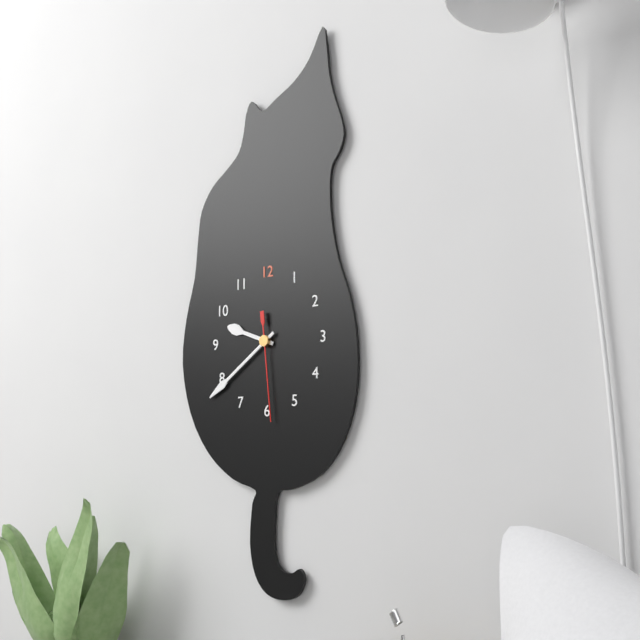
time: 9:39:29
